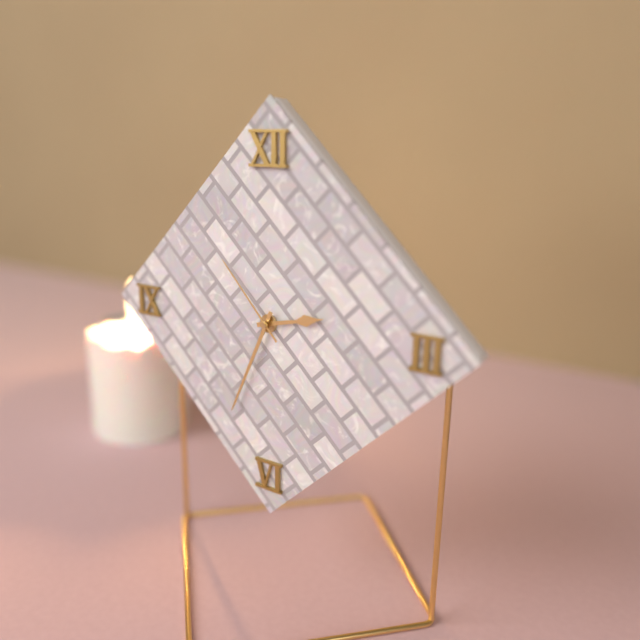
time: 2:34:53
